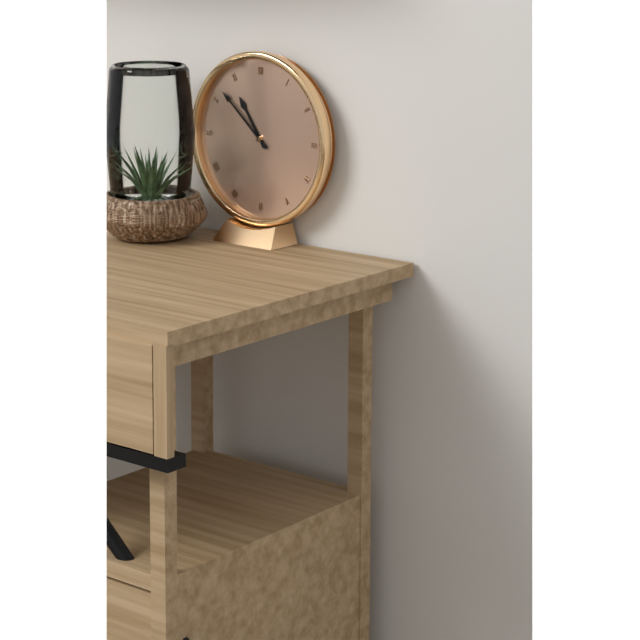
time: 10:52
